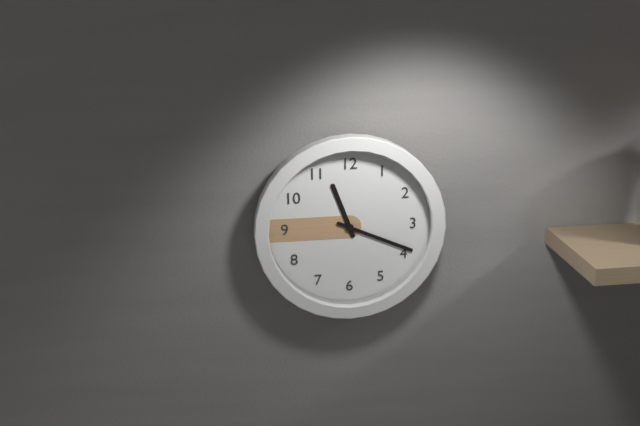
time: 11:19
